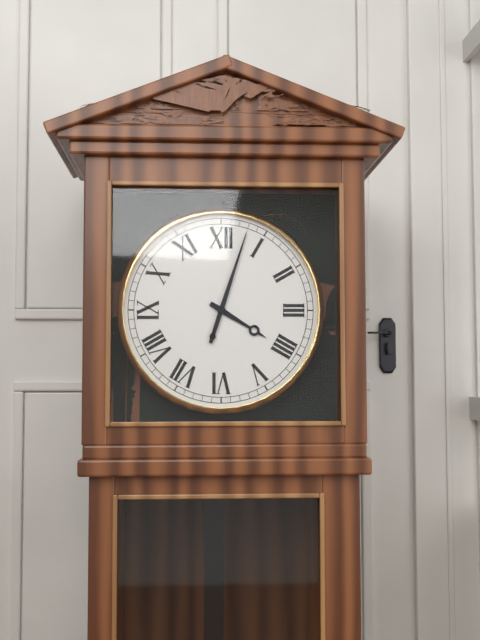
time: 4:03
